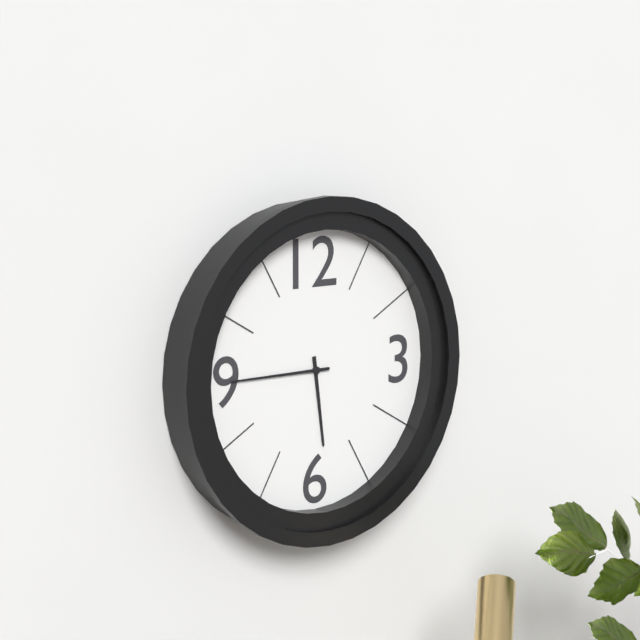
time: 5:45
